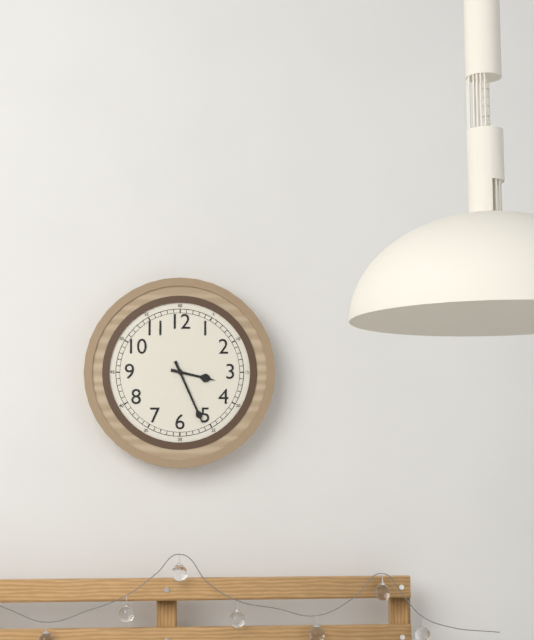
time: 3:26
